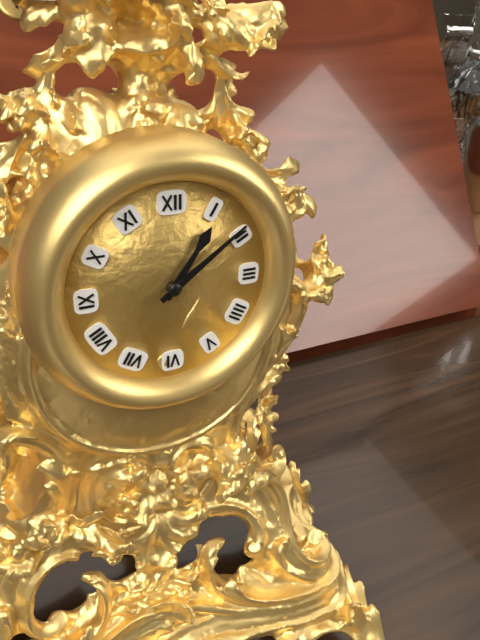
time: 1:09
